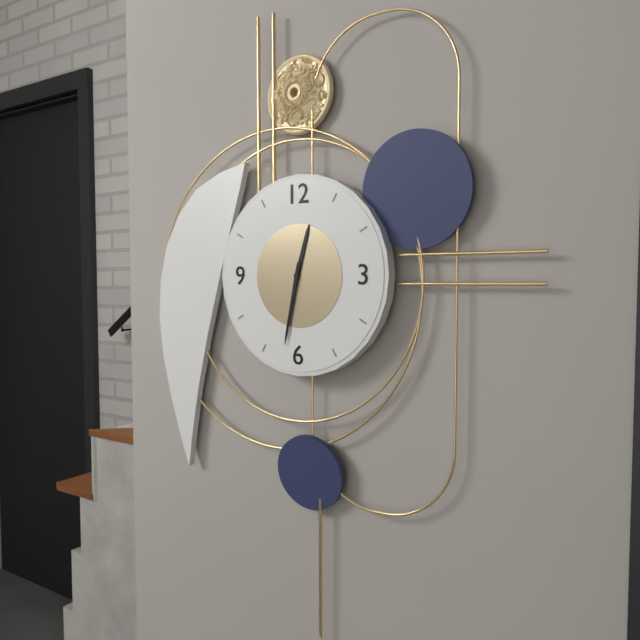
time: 12:32
